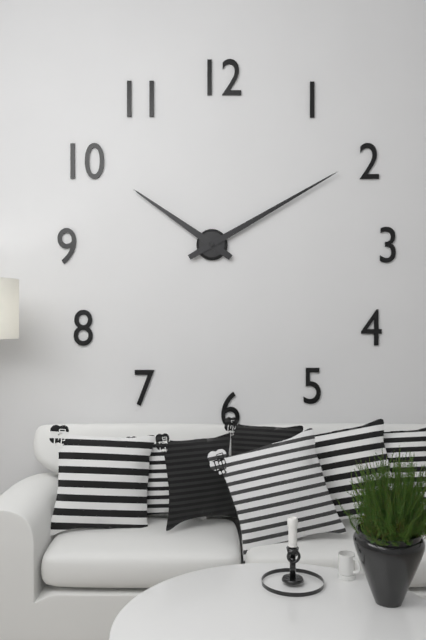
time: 10:10
